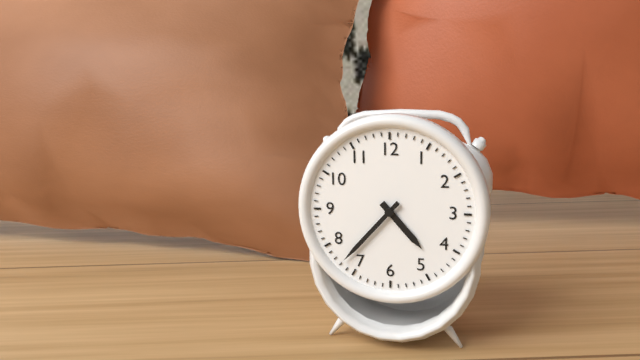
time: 4:37
